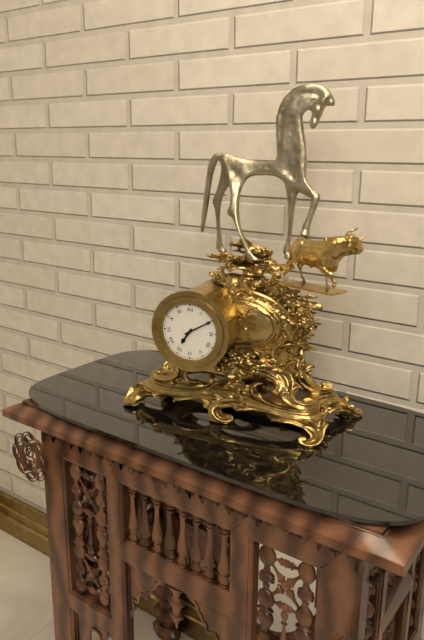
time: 7:10
